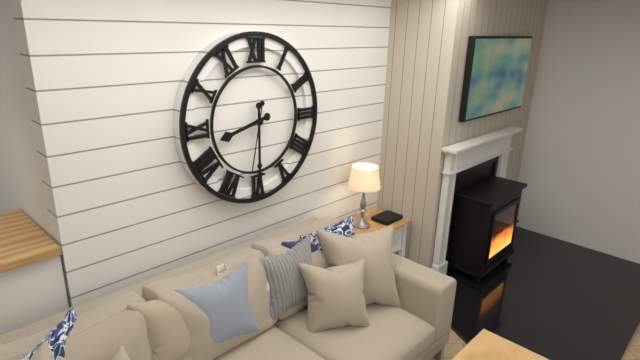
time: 8:30:32
